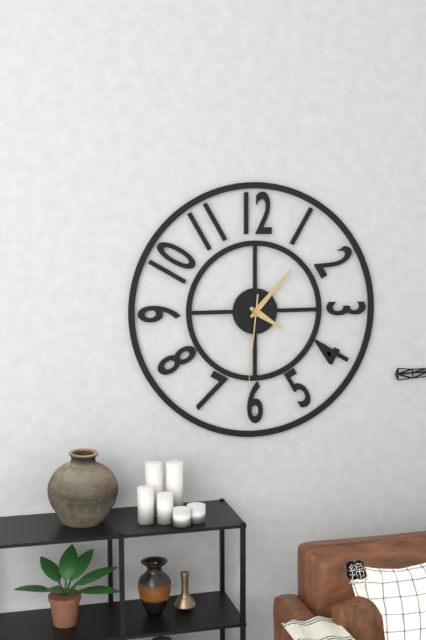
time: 4:07:31
